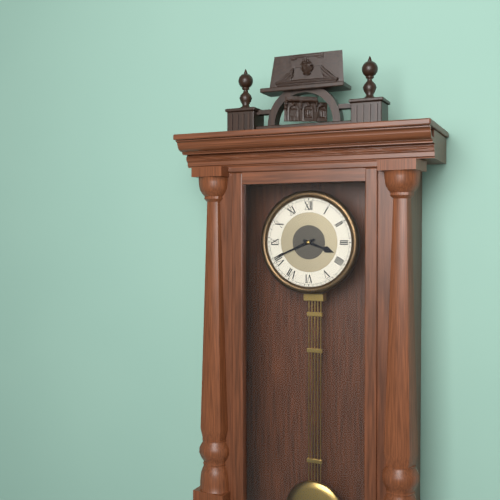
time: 3:41
